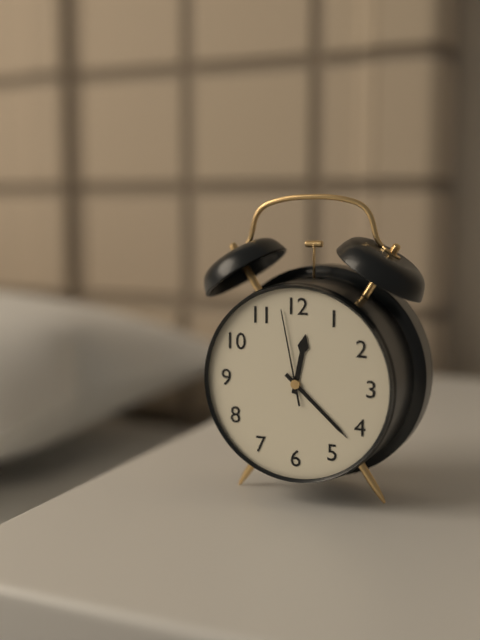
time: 12:22:58
